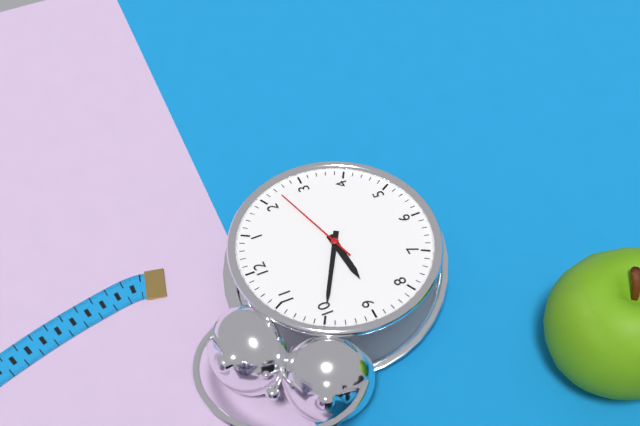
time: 8:50:12
